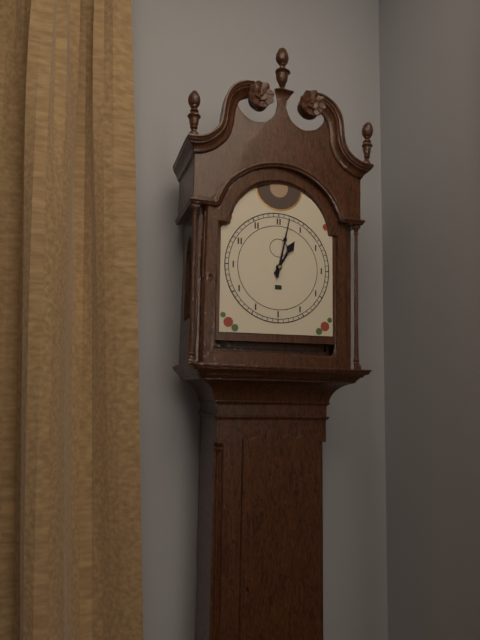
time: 1:02
